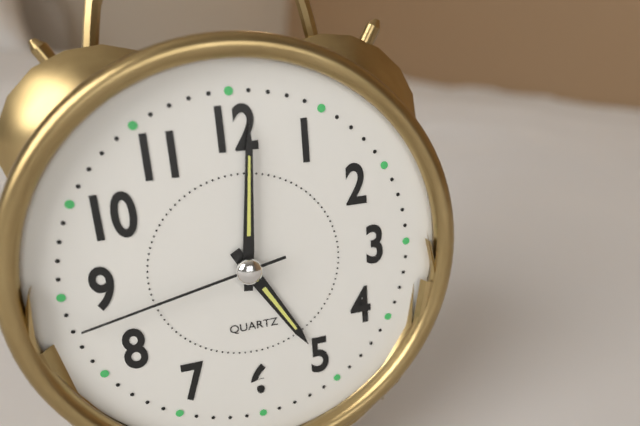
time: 5:01:43
